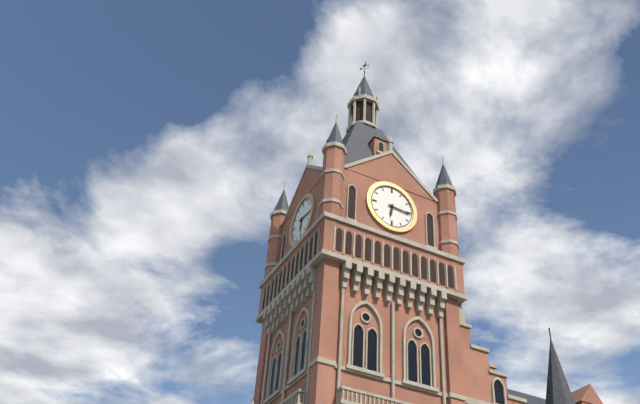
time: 6:16
